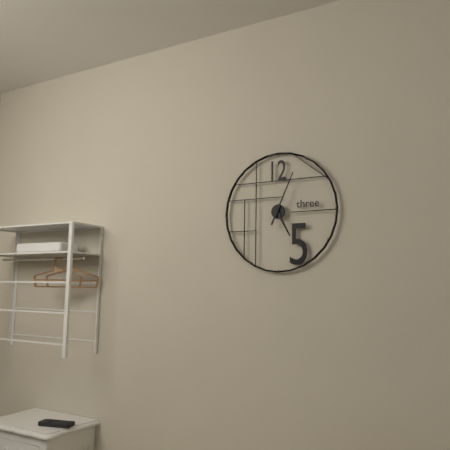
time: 5:04
